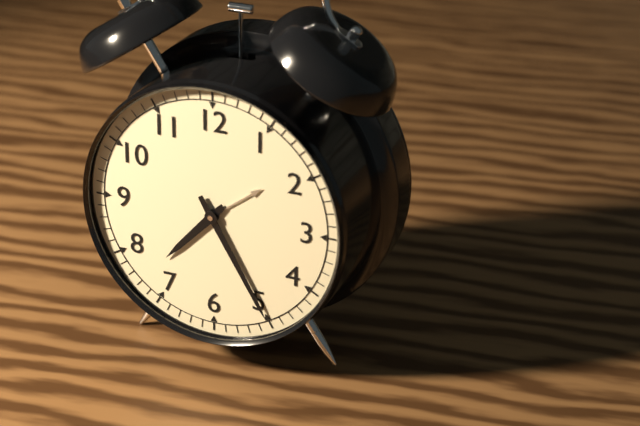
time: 7:25
